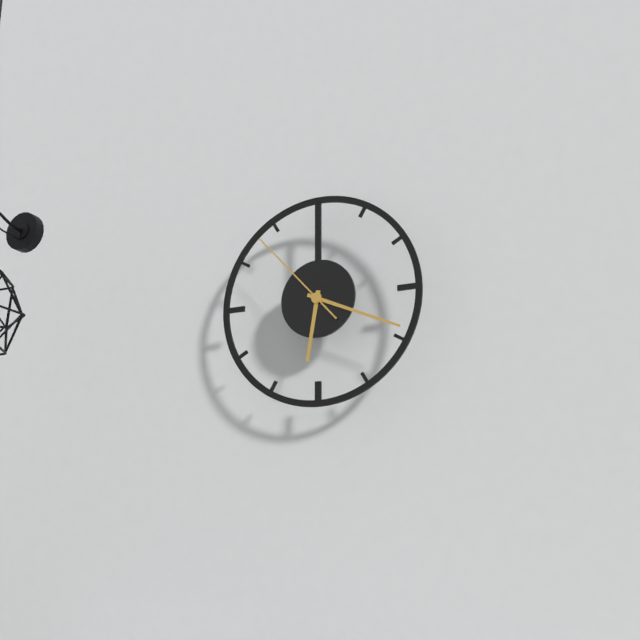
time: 6:19:53
